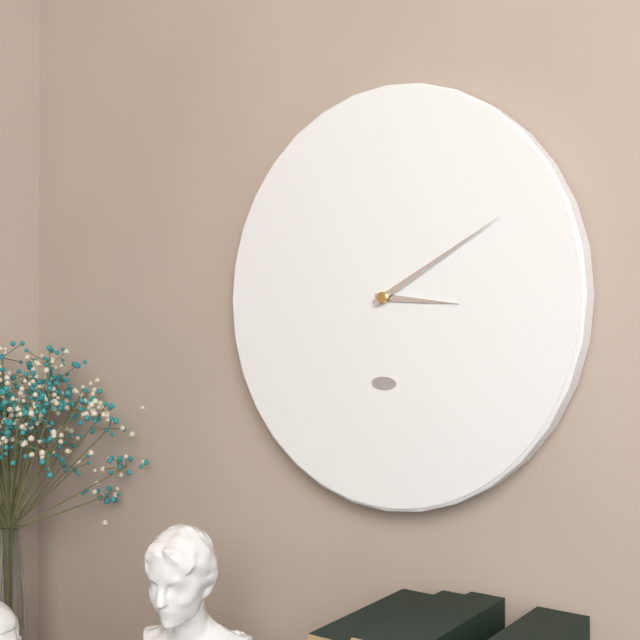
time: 3:10
